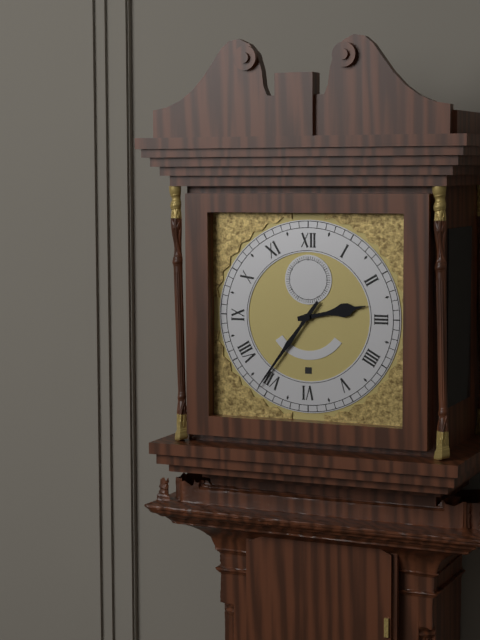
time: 2:36
